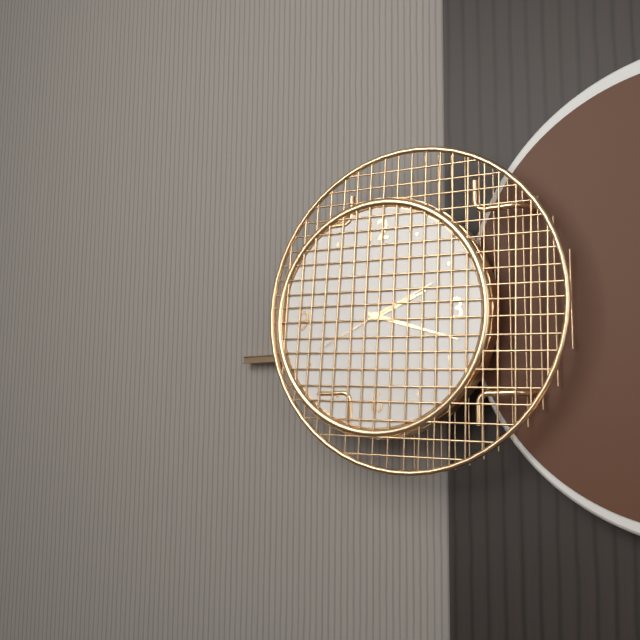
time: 2:18:41
